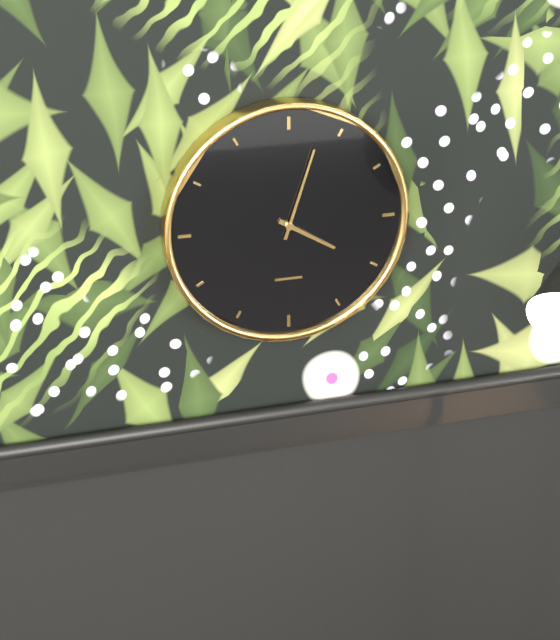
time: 4:03
